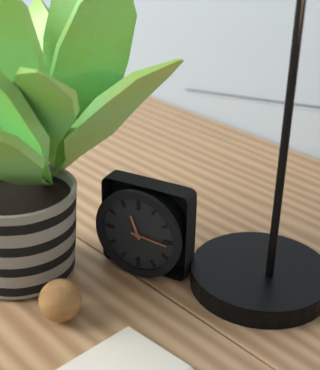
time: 11:16
